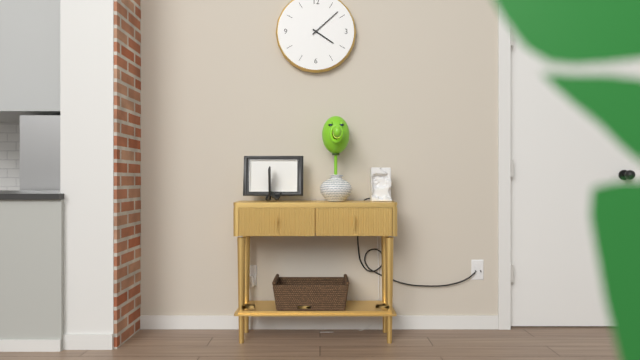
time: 4:08
